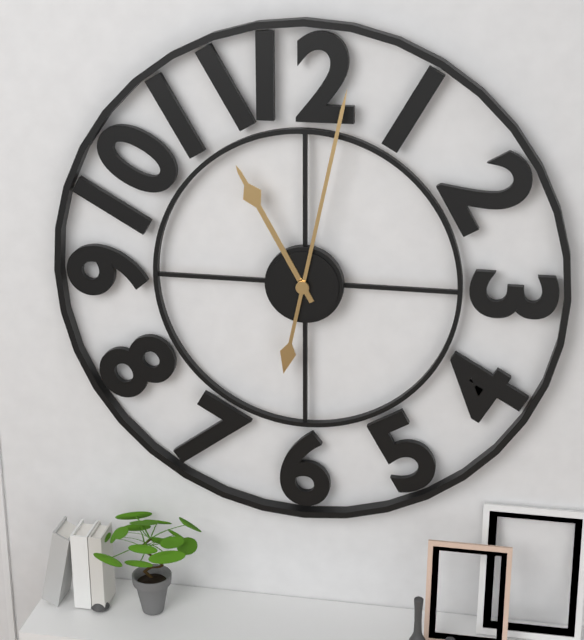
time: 11:02
